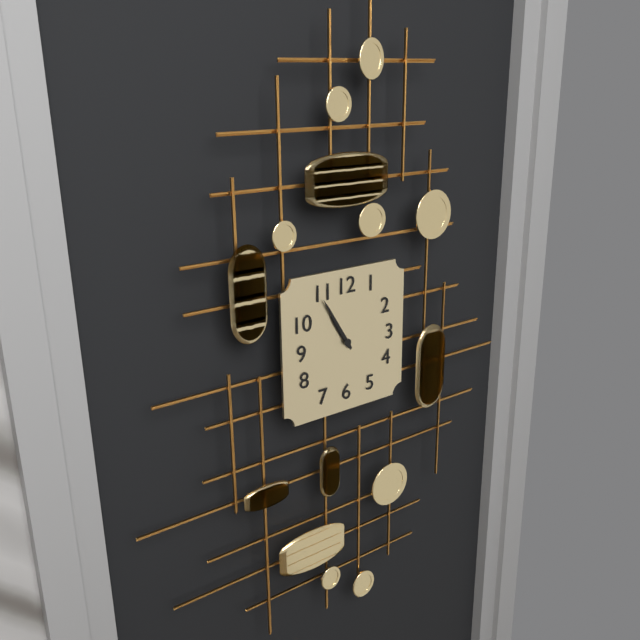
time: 10:55
